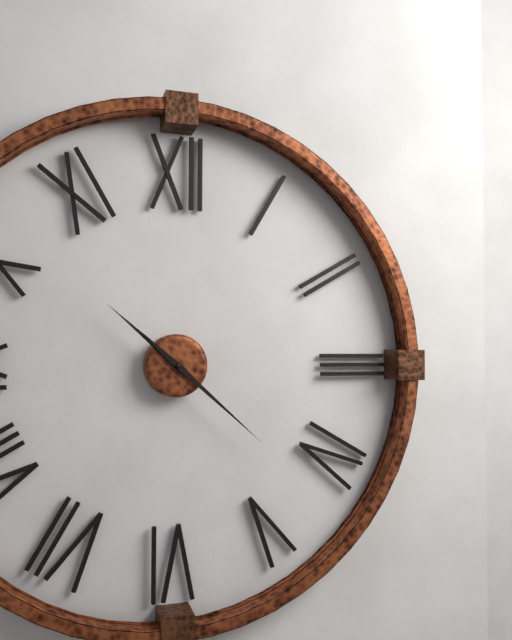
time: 10:22
